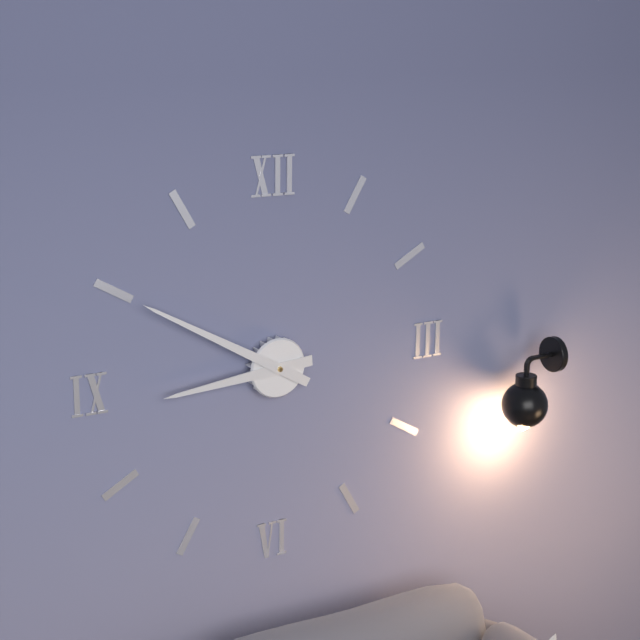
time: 8:50
